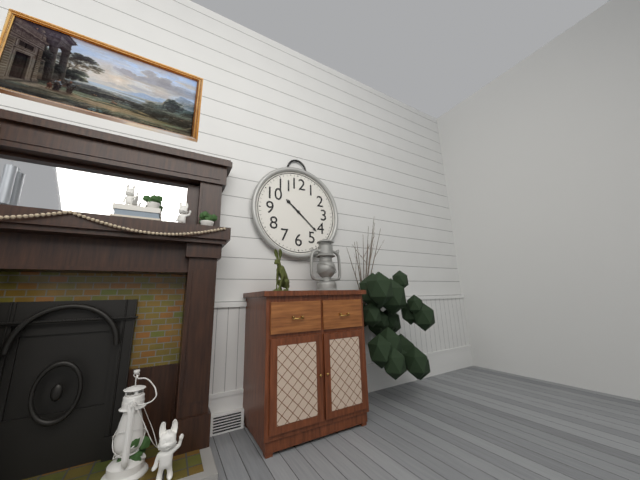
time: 10:22
